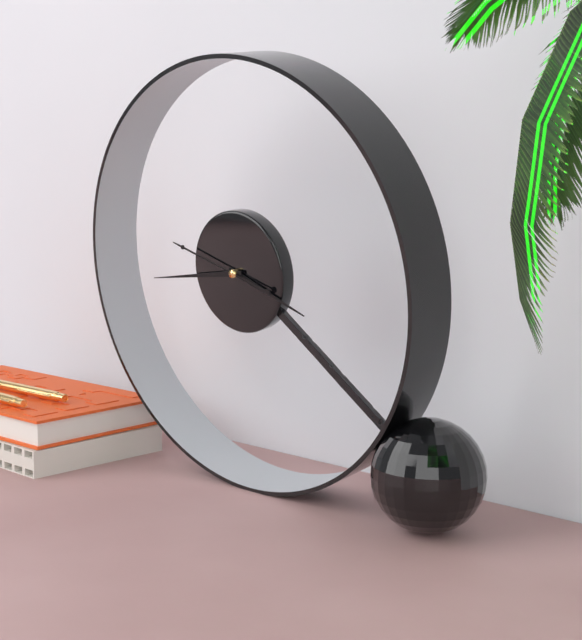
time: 3:44:48
